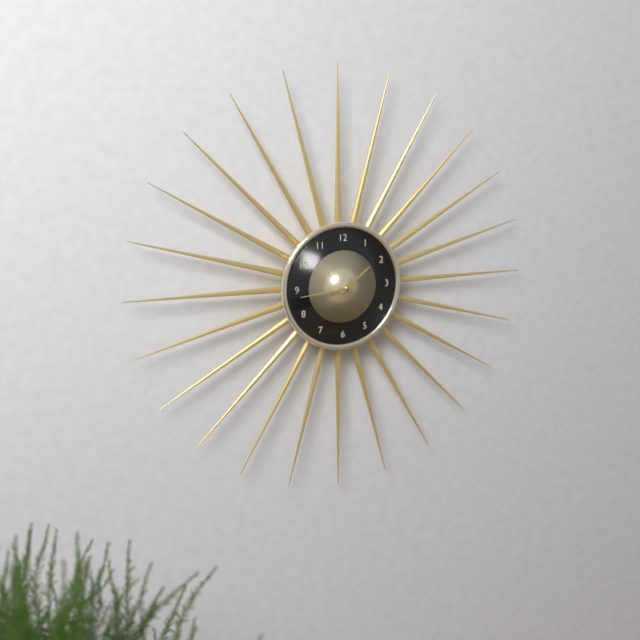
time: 1:44
